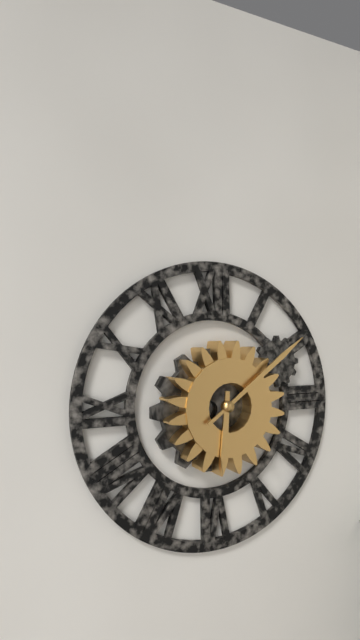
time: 6:09
